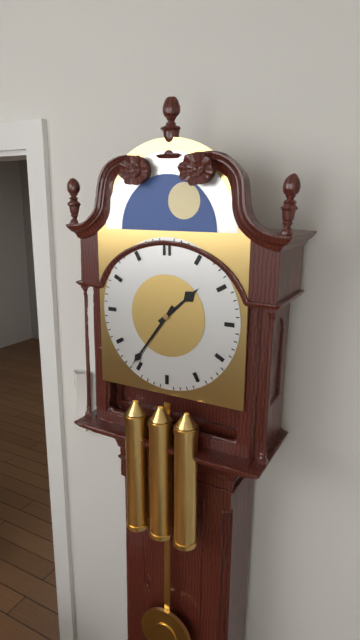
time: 1:36
